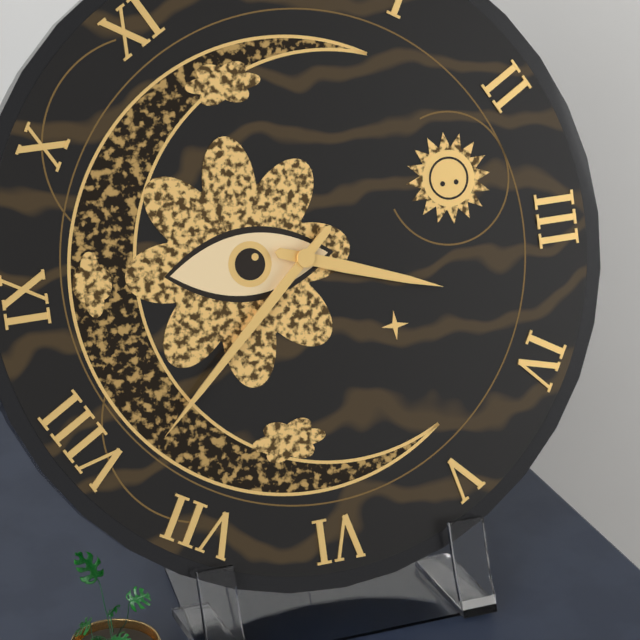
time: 3:38
